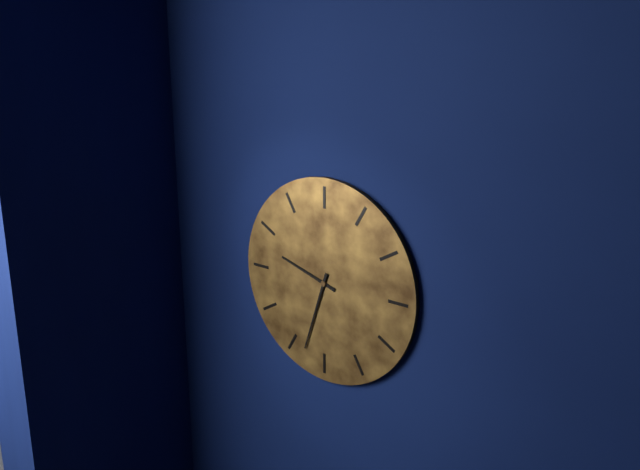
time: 9:33
